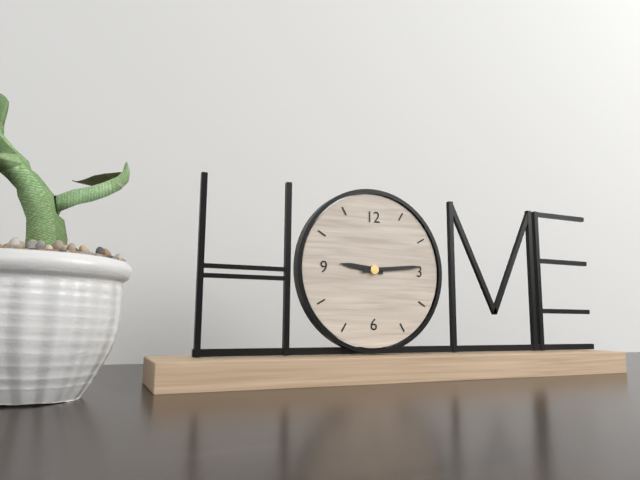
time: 9:14
